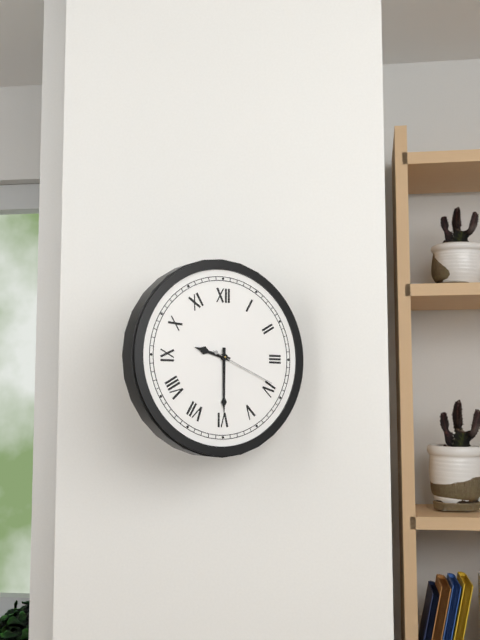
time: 9:30:19
